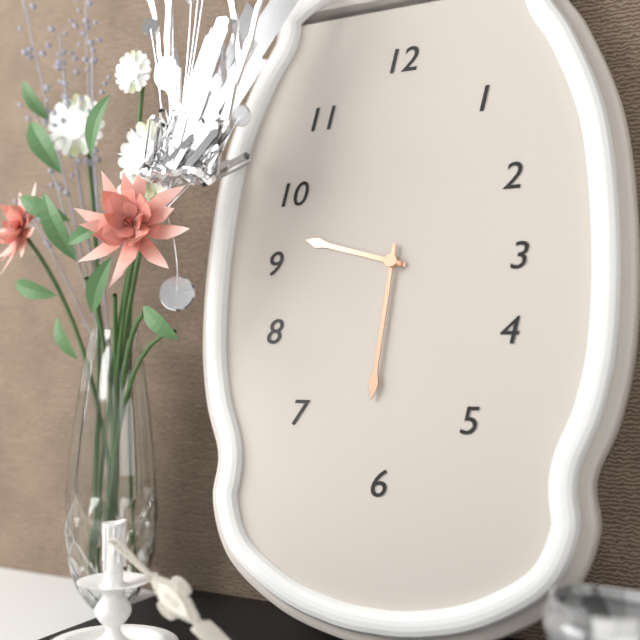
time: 9:31
